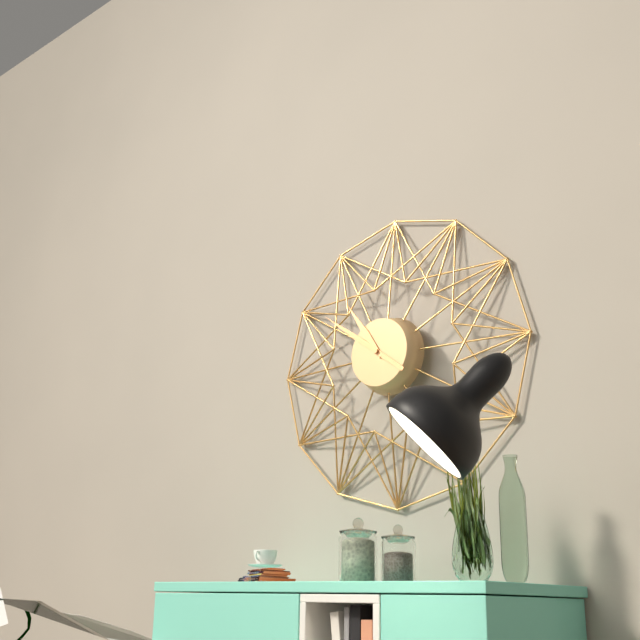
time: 10:51
